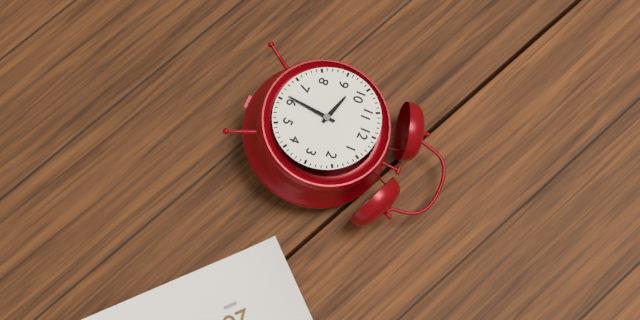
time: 9:31
